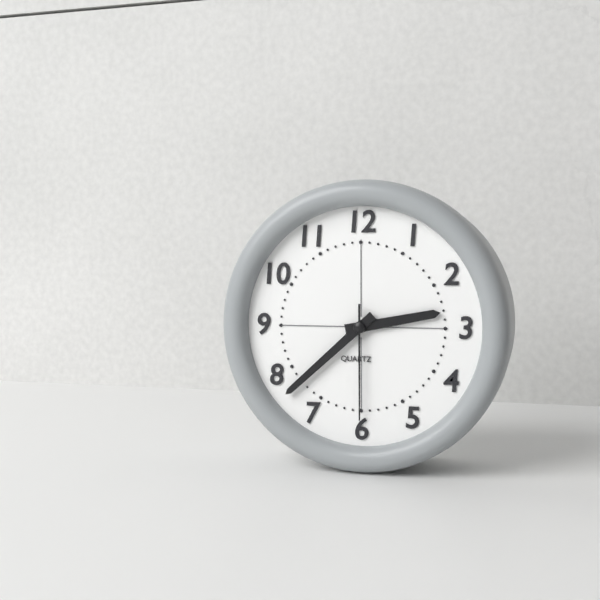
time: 2:38:30
